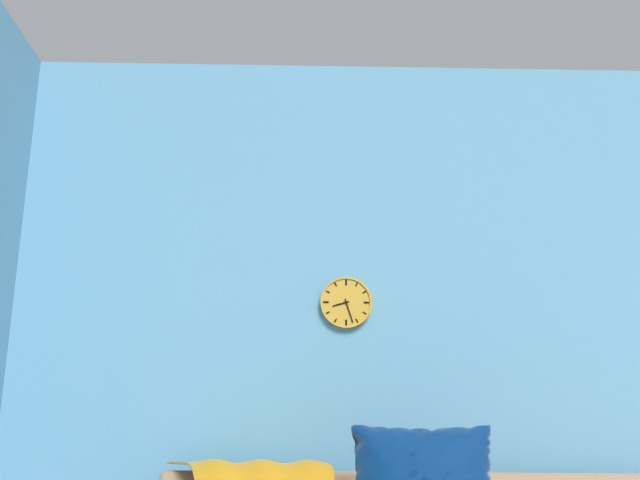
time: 8:27
